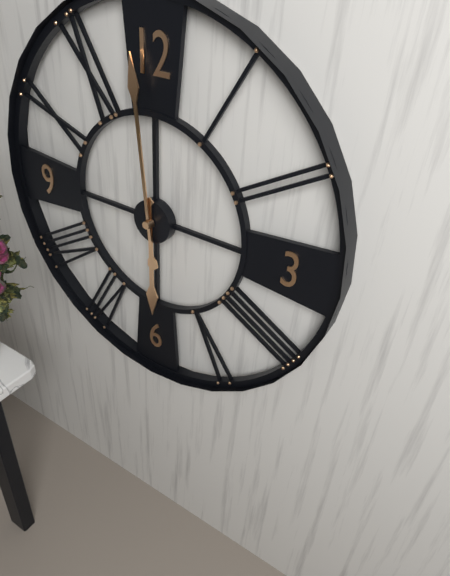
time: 5:59
